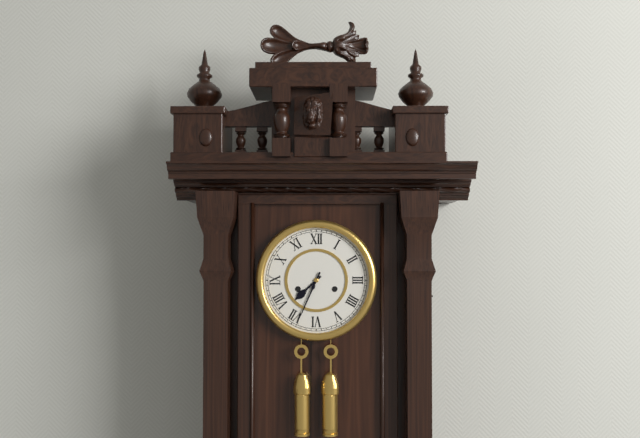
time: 7:34
